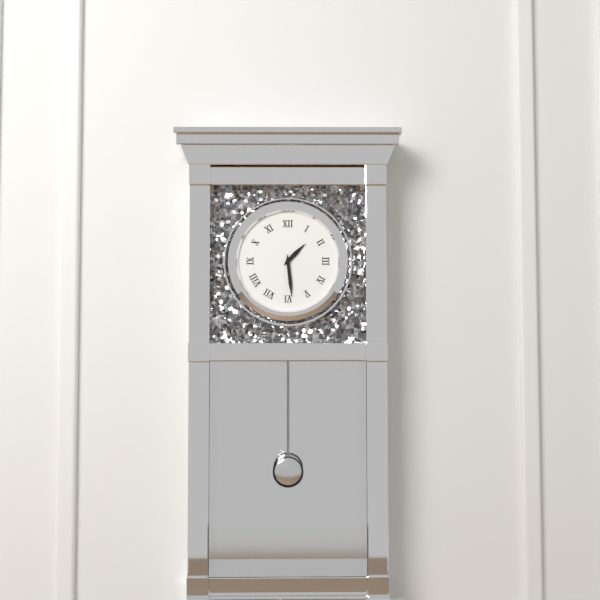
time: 1:29
